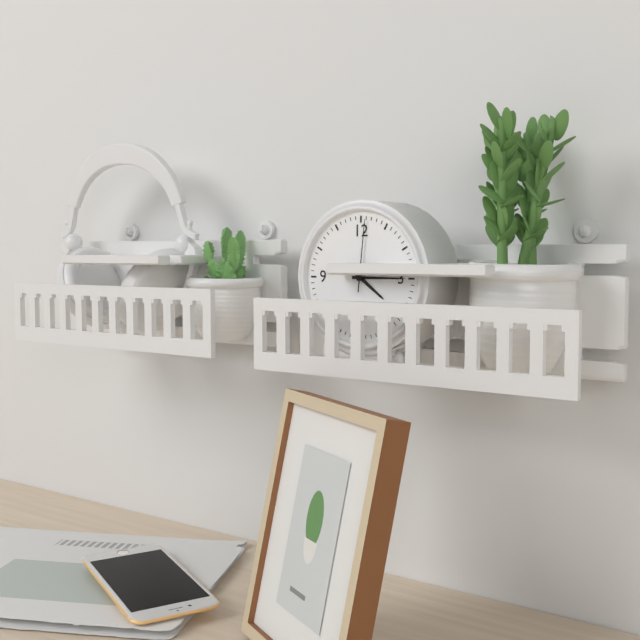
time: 4:15:01
